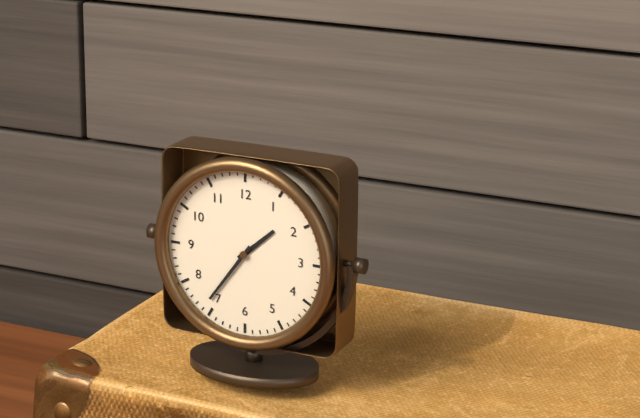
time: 1:36
